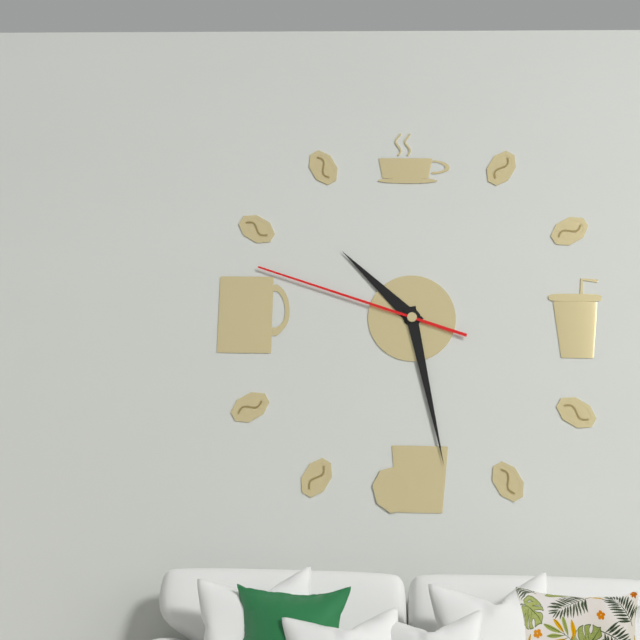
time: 10:28:48
